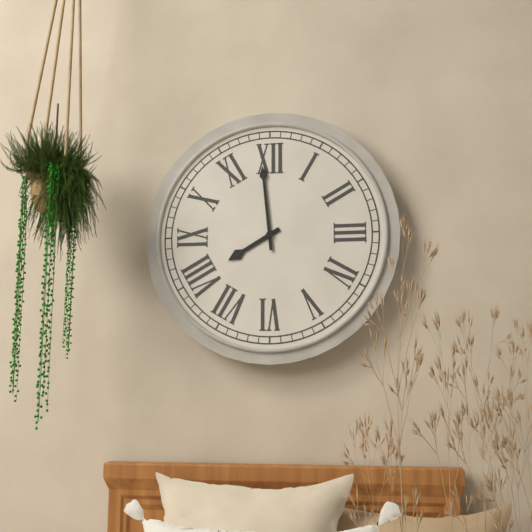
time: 7:59
